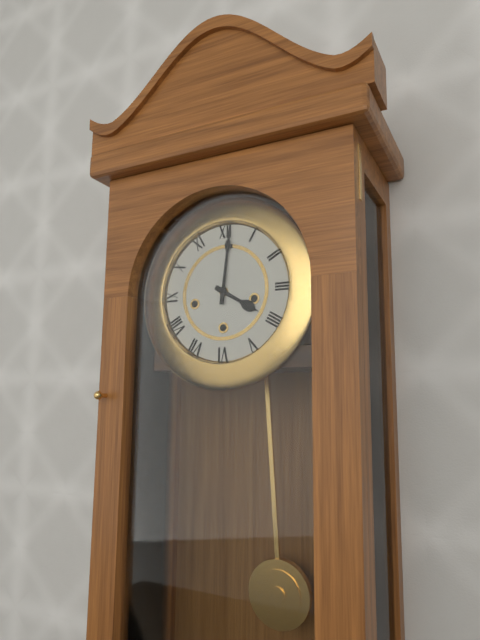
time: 4:01
